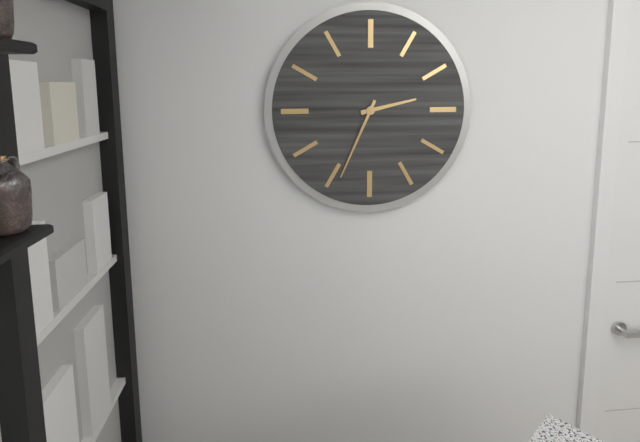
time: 2:34
